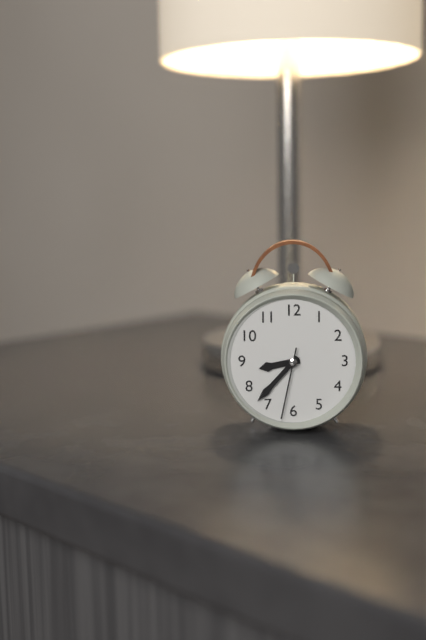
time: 8:37:32
